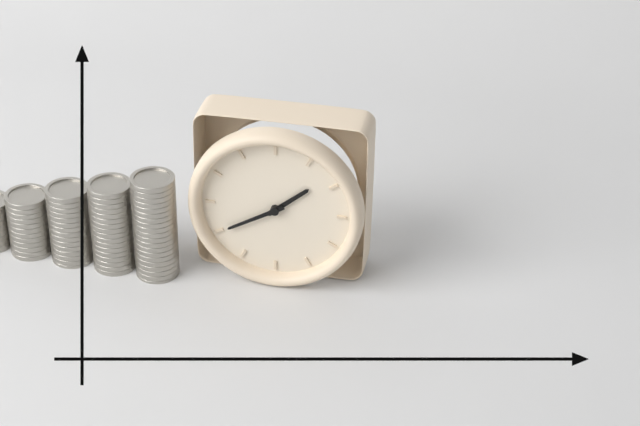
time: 1:40
